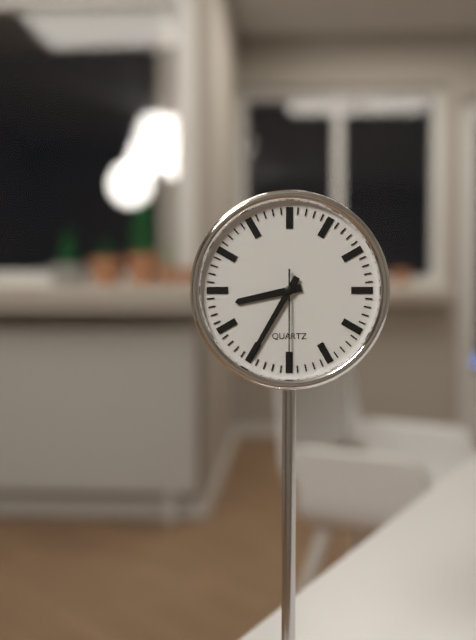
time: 8:35:30
